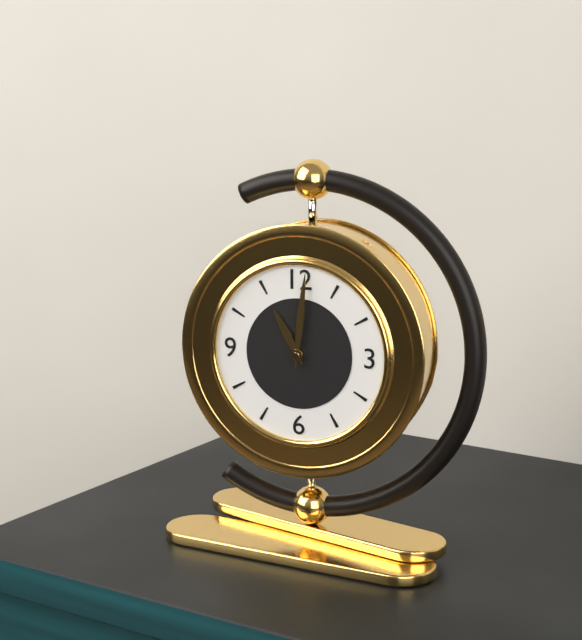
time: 11:01
